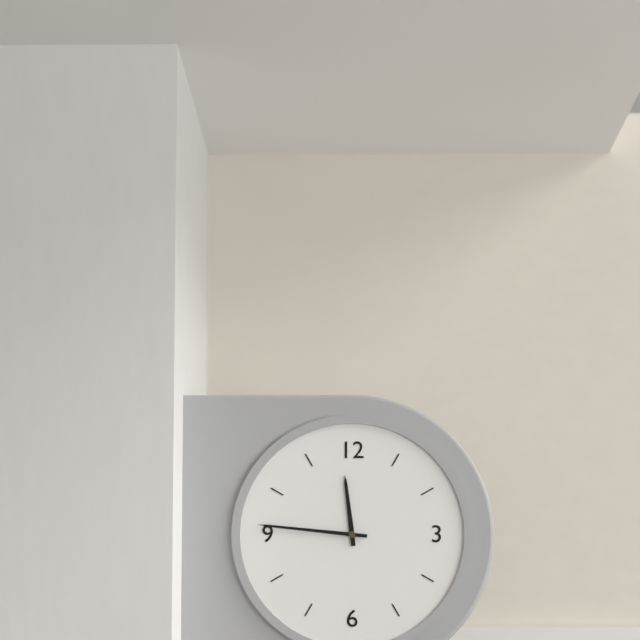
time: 11:46
